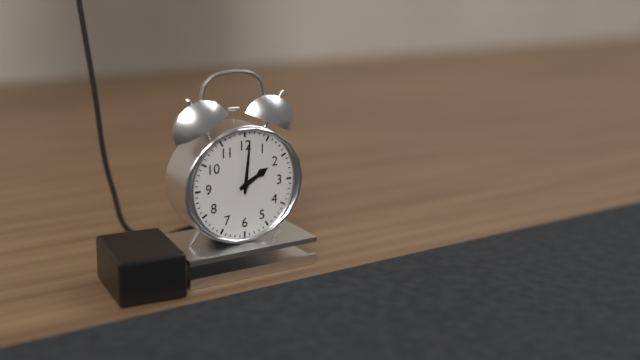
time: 2:01
